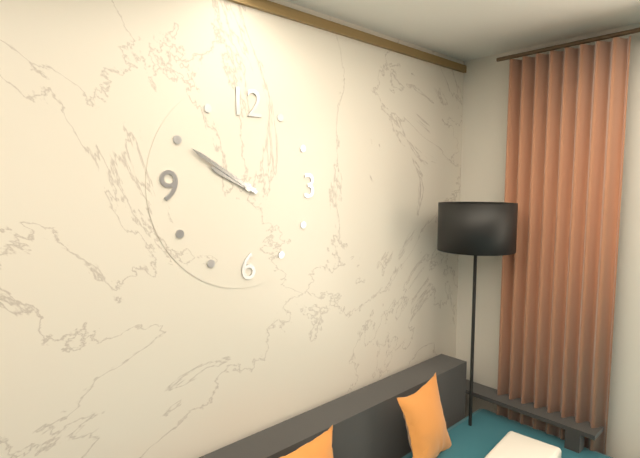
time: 9:50
